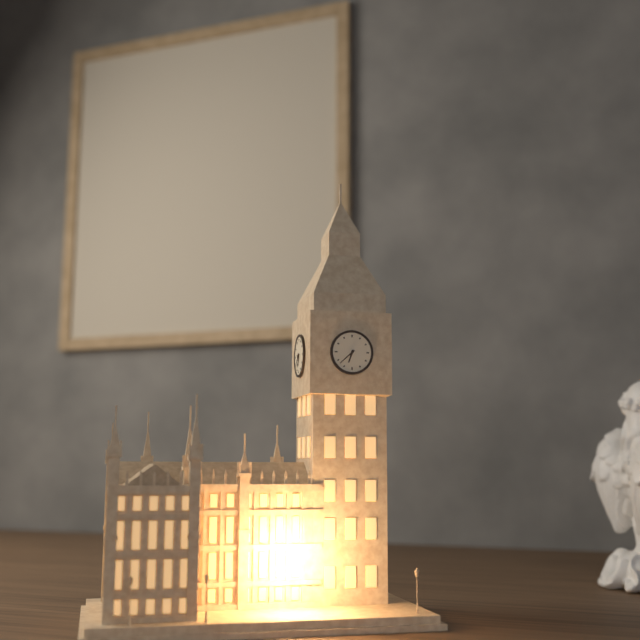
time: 6:38
